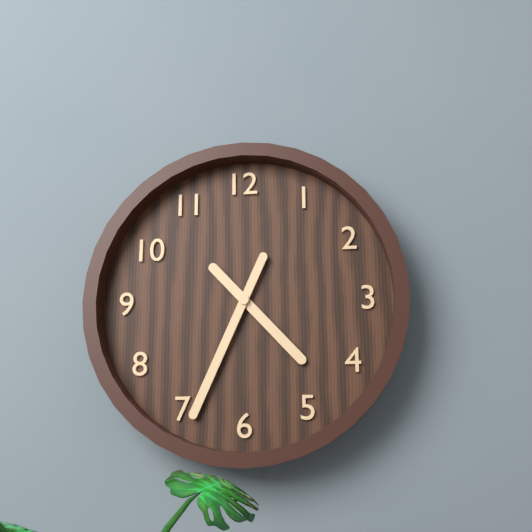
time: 4:34
